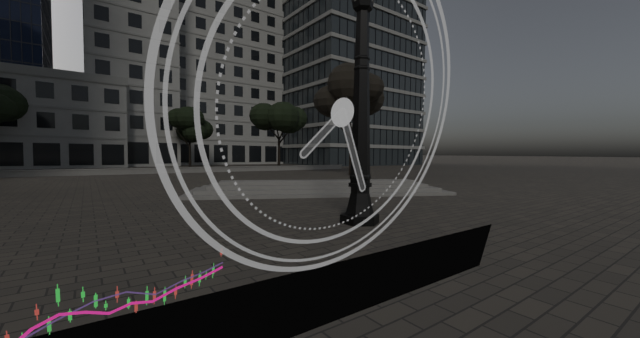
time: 7:25
